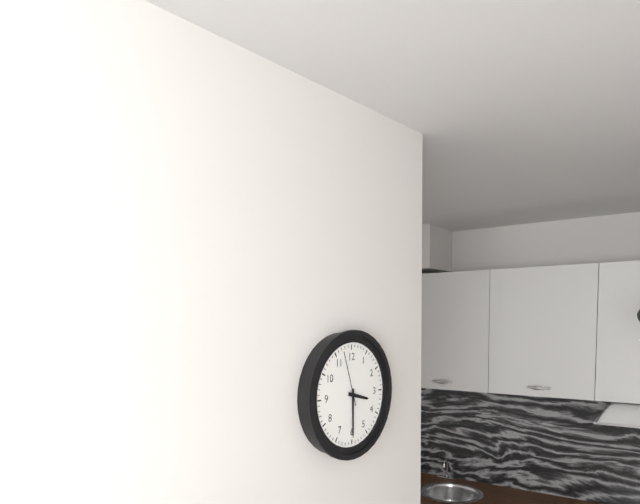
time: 3:30:57
